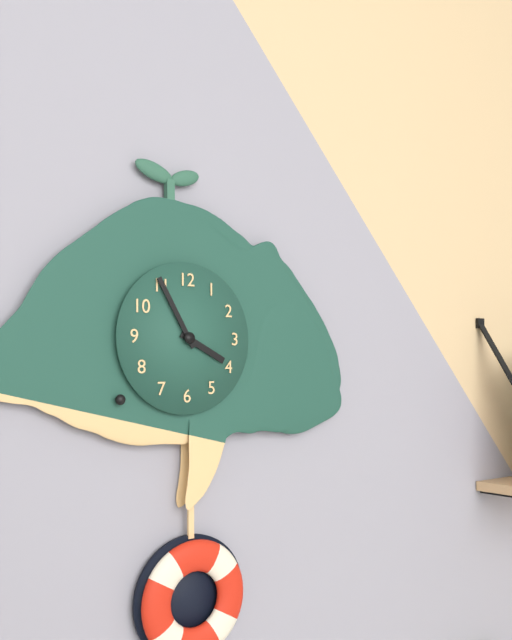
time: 3:55
